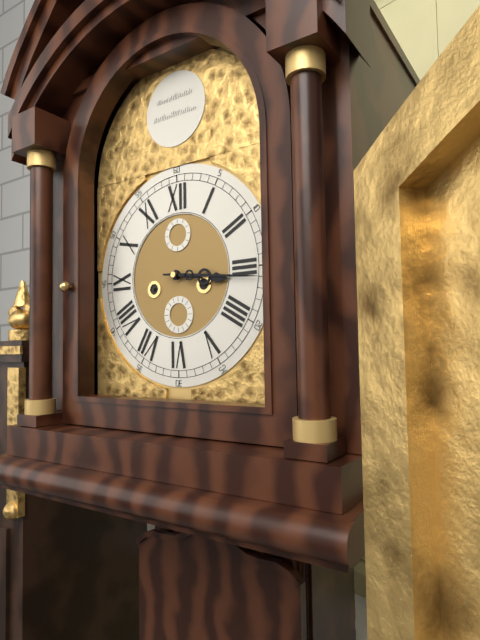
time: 3:16
